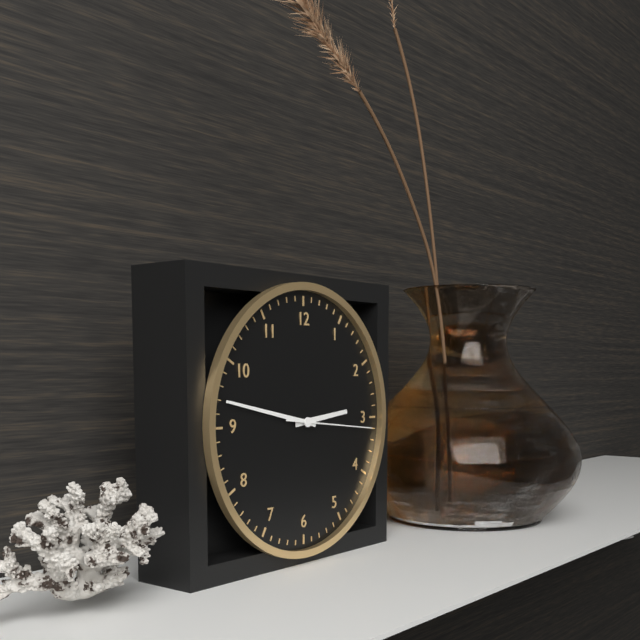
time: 2:47:16
